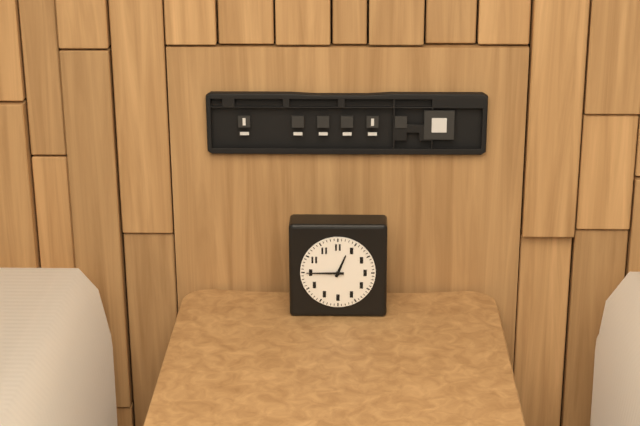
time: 12:45
